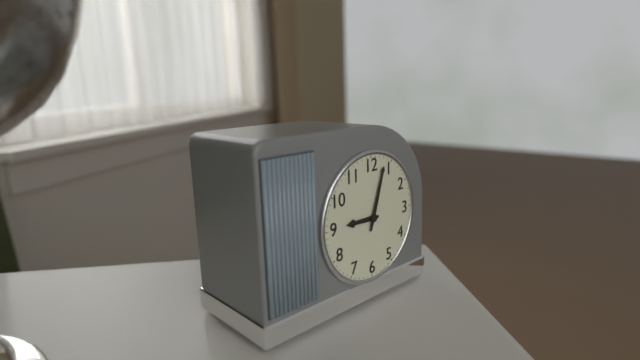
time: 9:03
